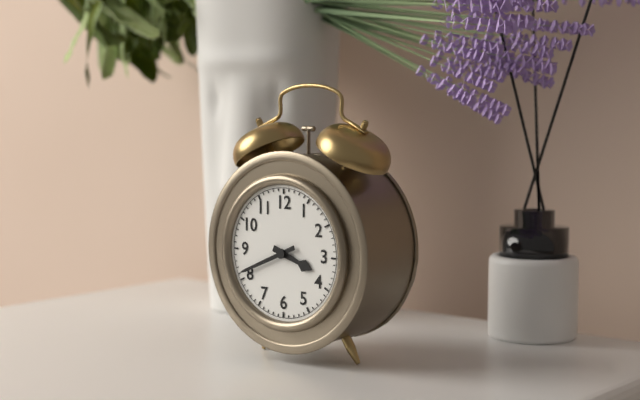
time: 3:41
